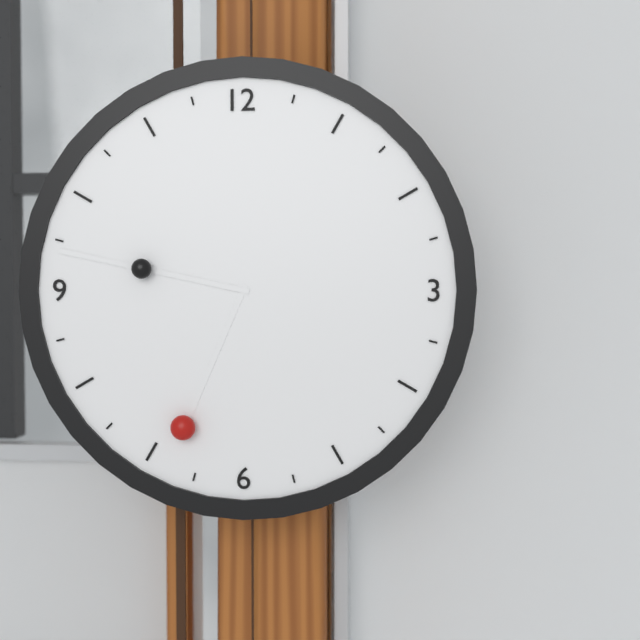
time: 6:47
